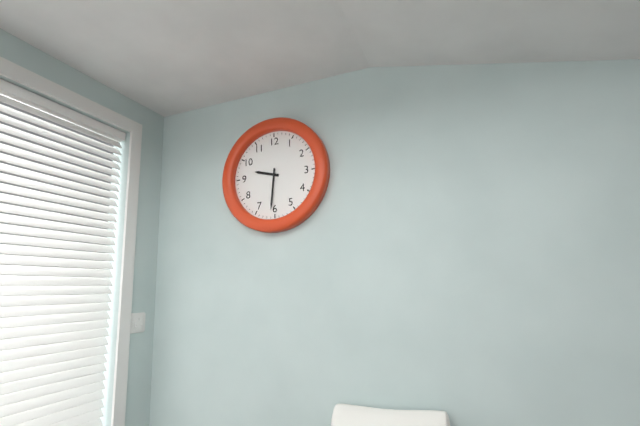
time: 9:31
